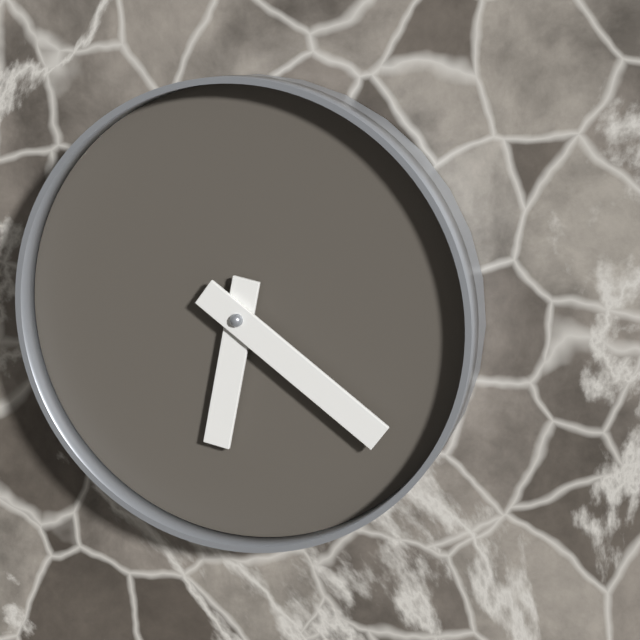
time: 6:21
